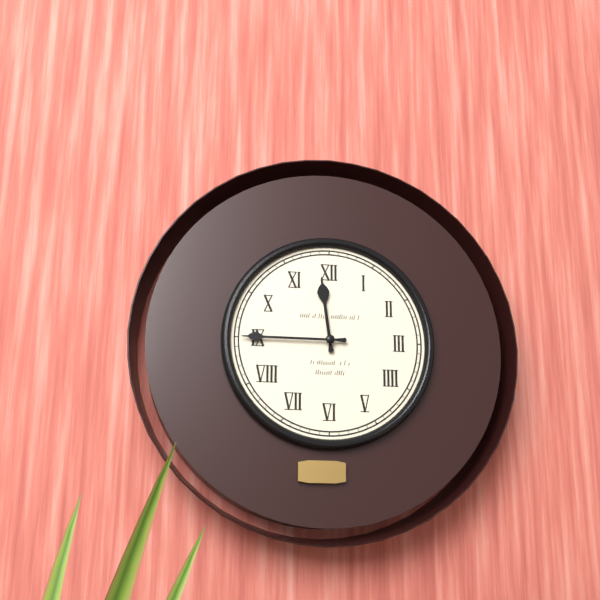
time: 11:45
